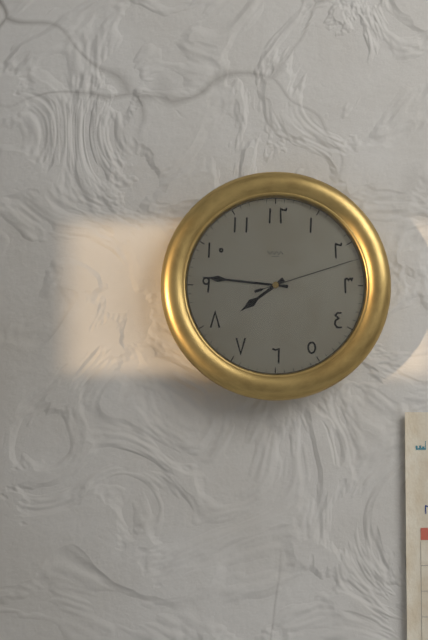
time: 7:46:12
